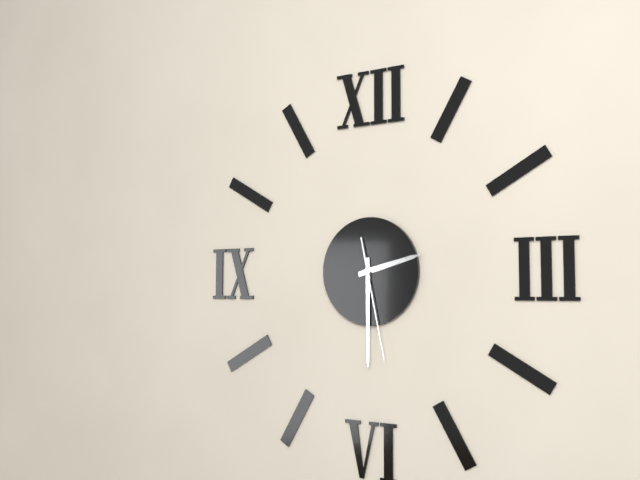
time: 2:30:28
